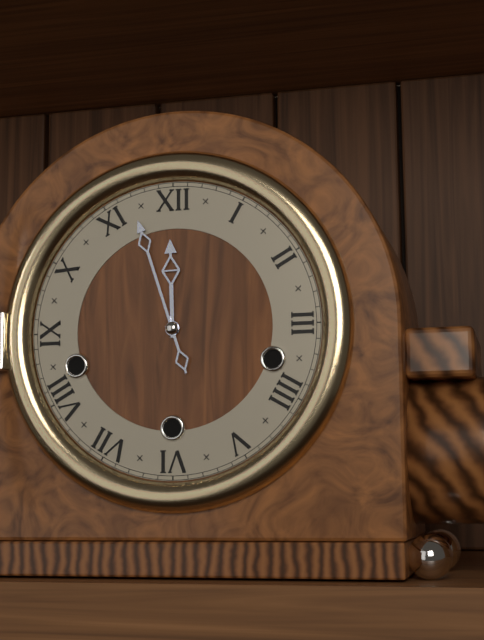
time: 11:57
